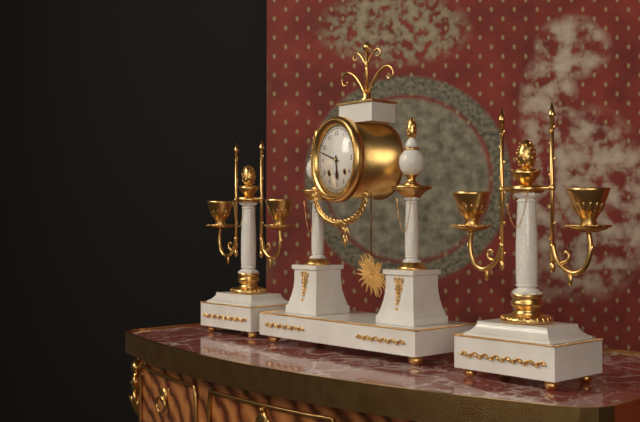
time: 5:48
